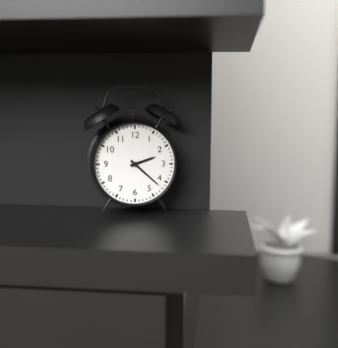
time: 2:22
